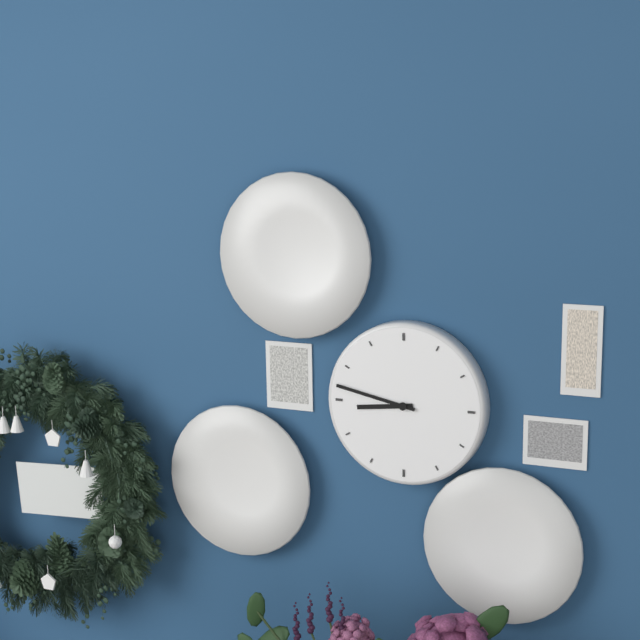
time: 8:47
